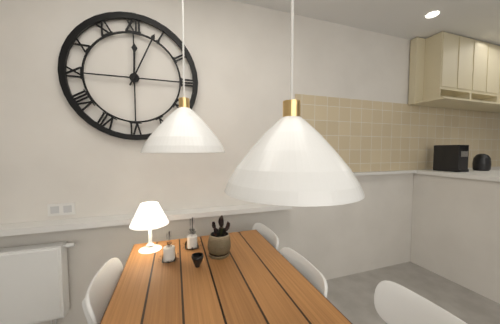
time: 12:04
